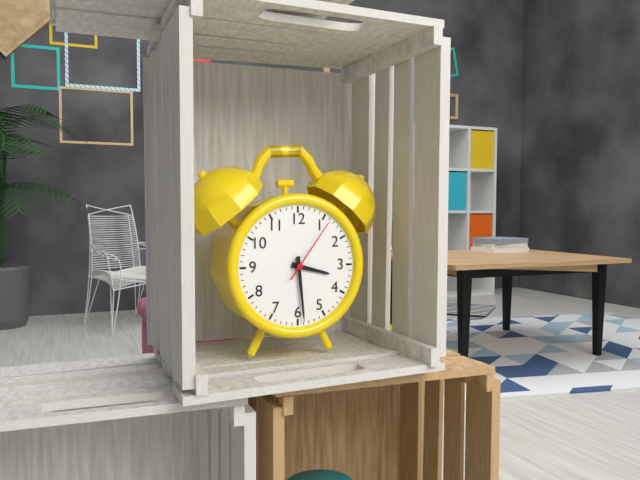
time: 3:29:06
